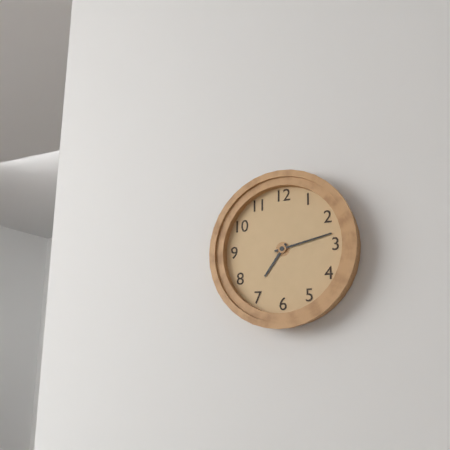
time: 7:13
